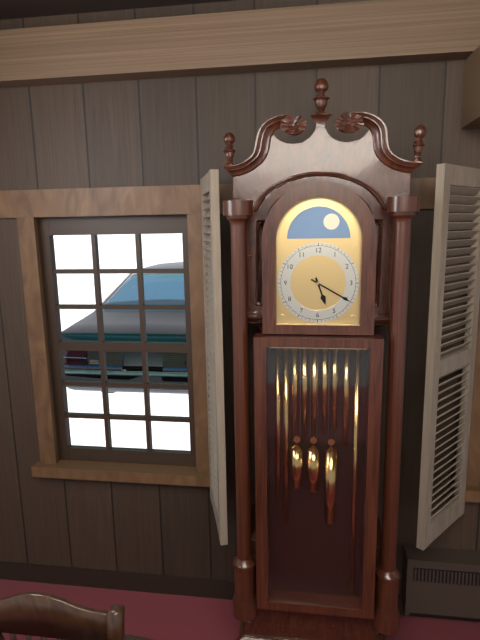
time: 5:20
